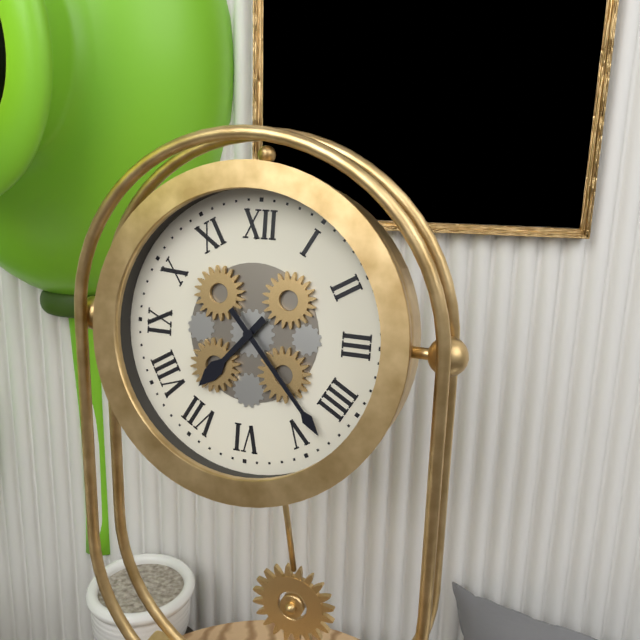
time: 7:23
